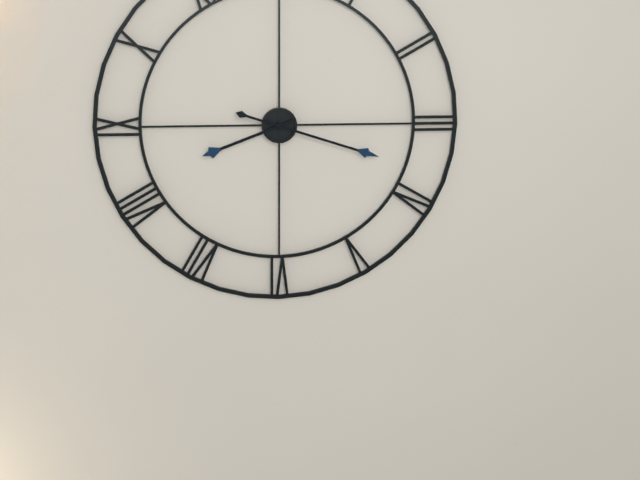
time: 8:18
